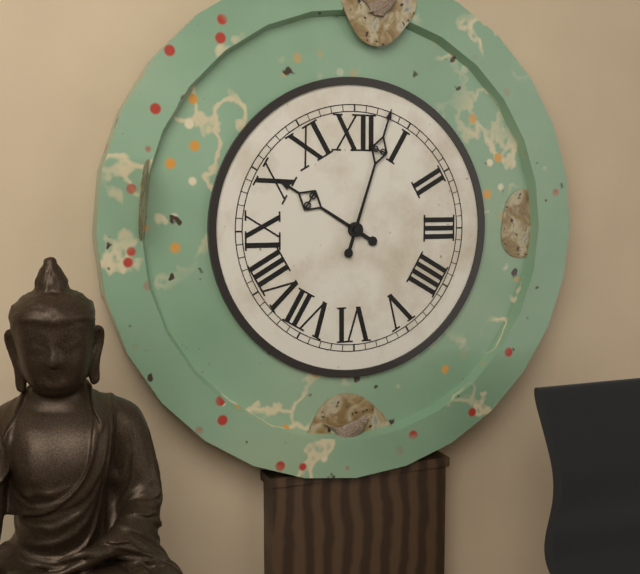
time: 10:03
